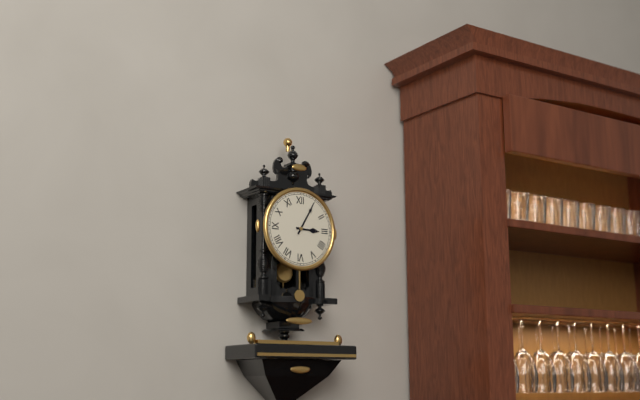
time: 3:05
